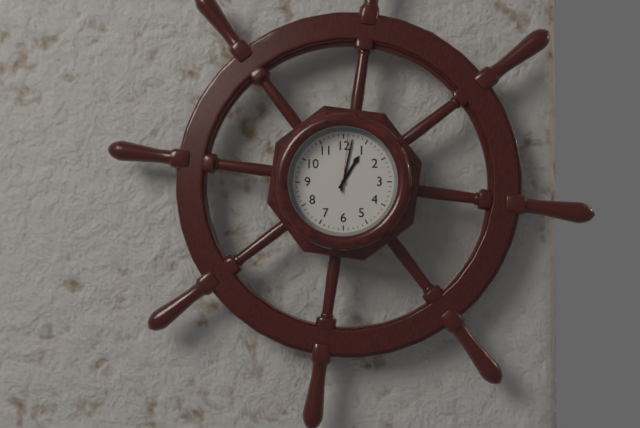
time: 1:02:01
